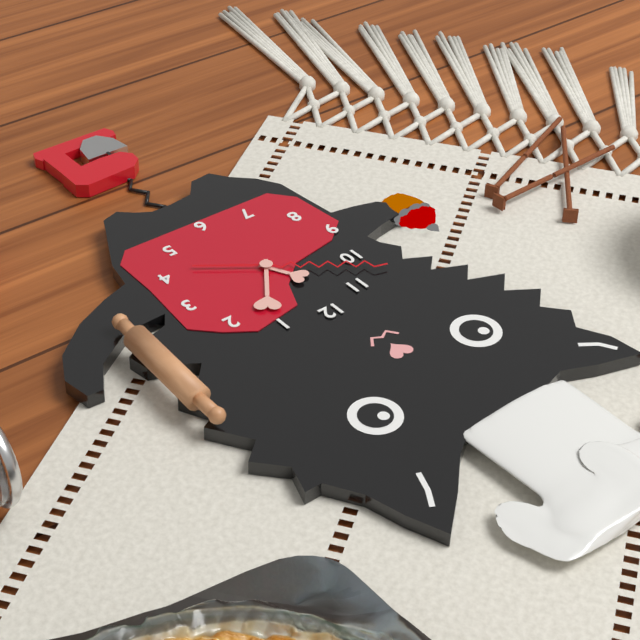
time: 11:06:51
